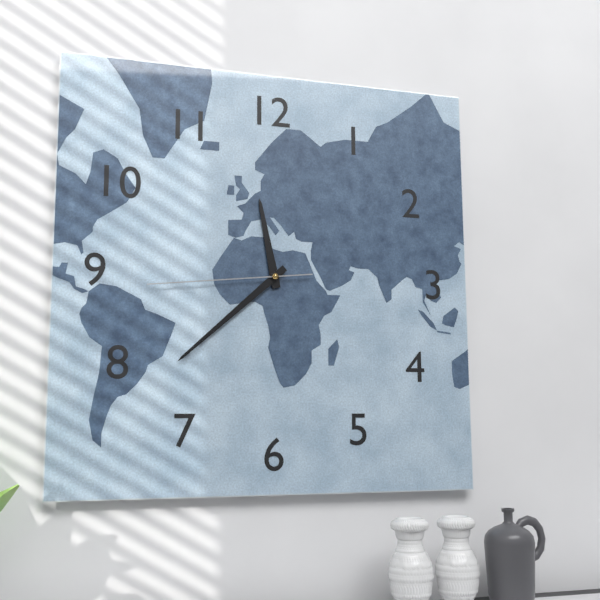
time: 11:38:44
